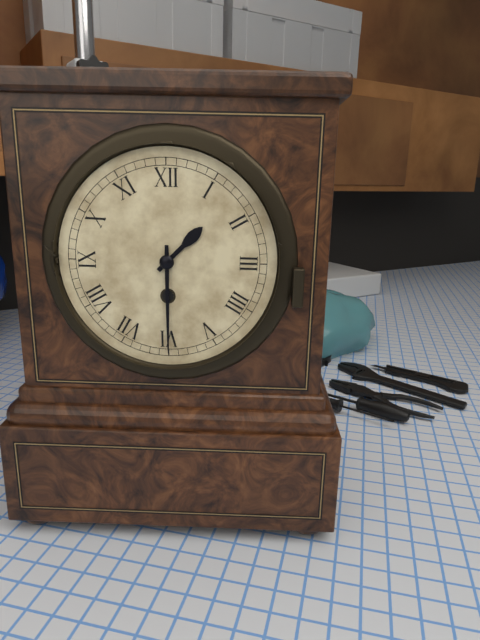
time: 1:30
